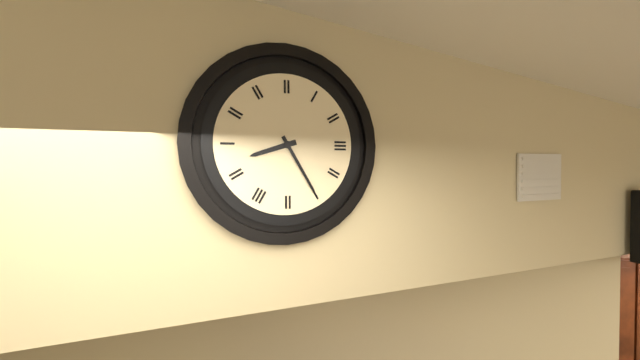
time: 8:25
